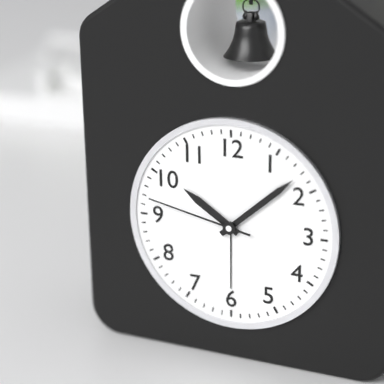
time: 10:08:47
